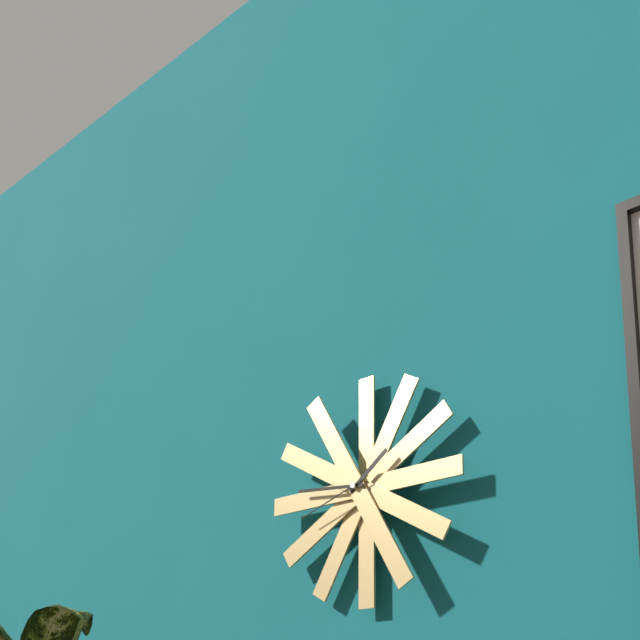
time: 1:46:42
